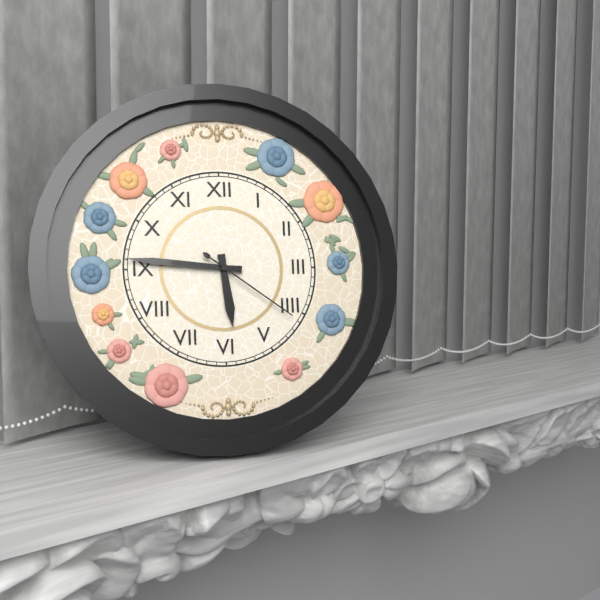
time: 5:46:21
